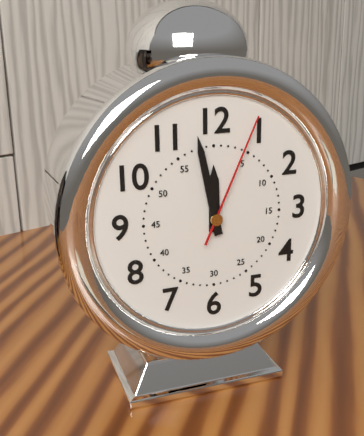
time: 11:58:04
